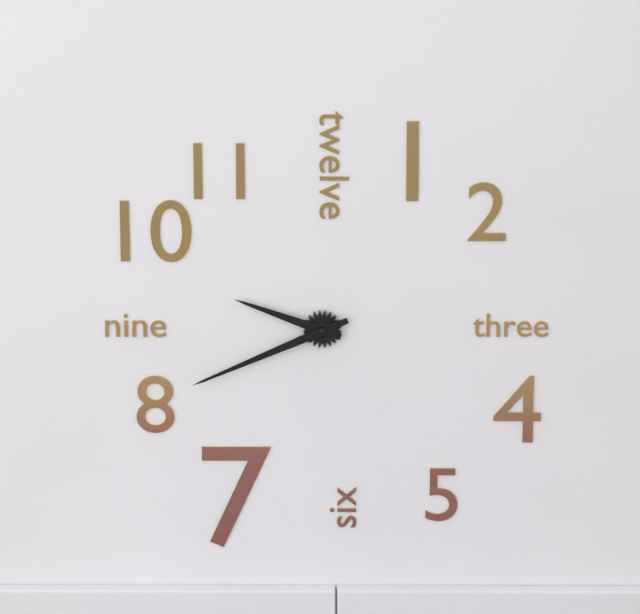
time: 9:41
